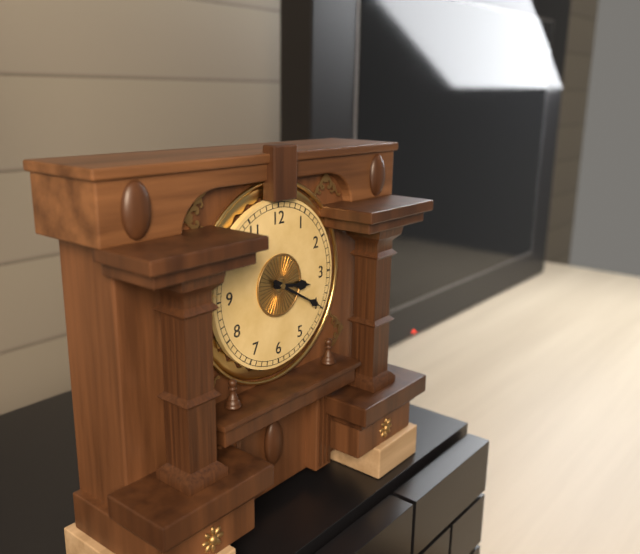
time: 3:20
